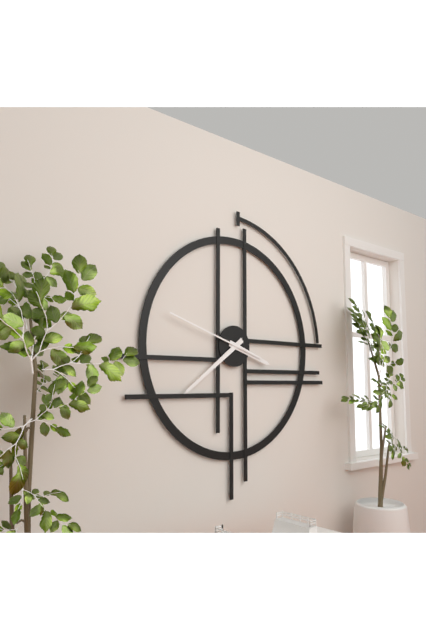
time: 3:39:48
